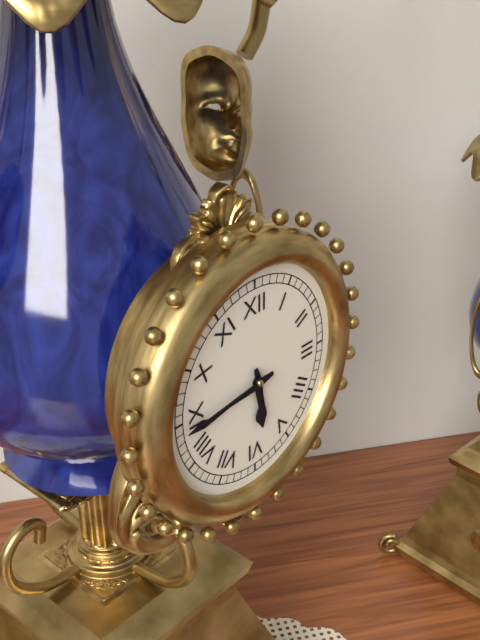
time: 5:44
